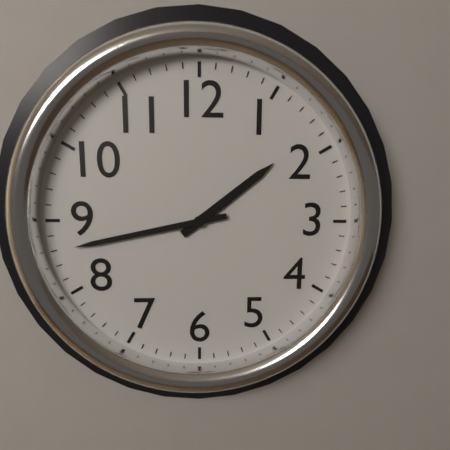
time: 1:43
